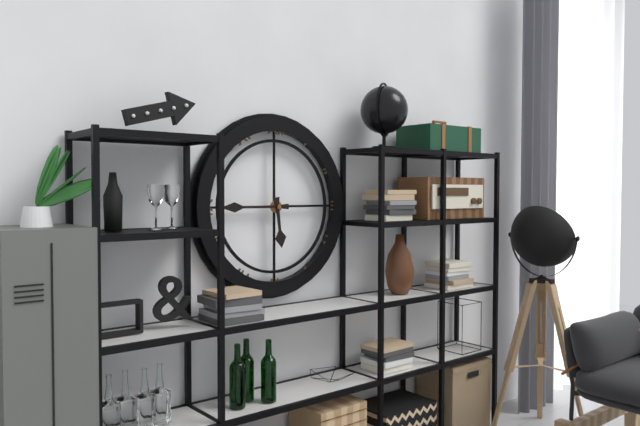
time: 5:45
